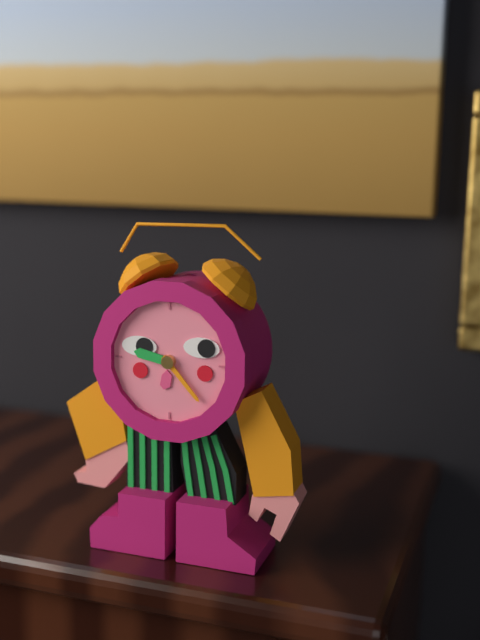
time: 9:23
